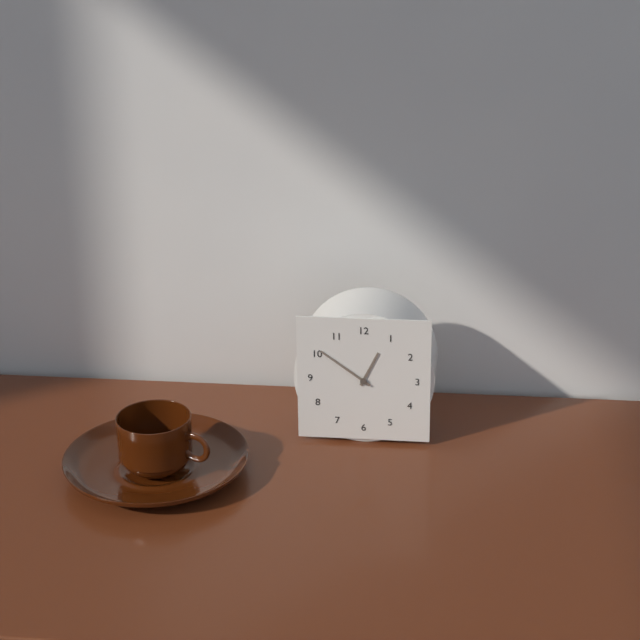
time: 12:51
